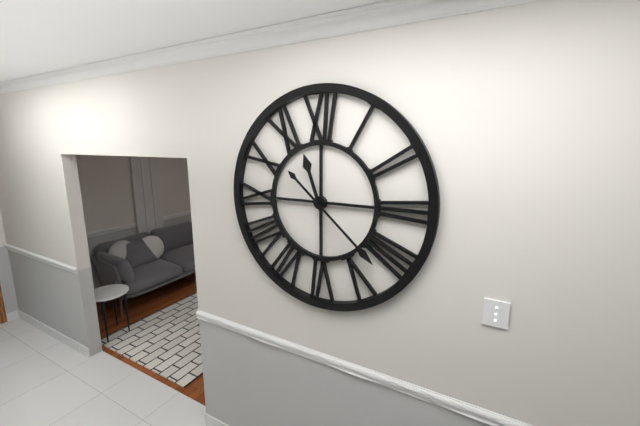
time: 11:22
